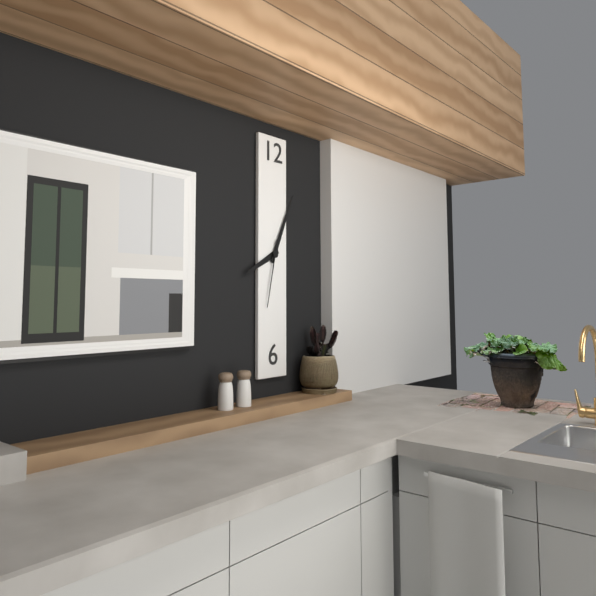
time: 8:04:32
